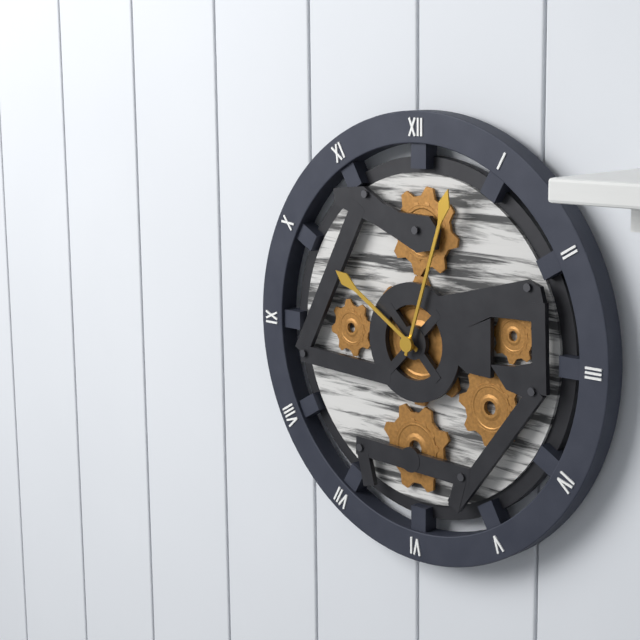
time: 10:03
